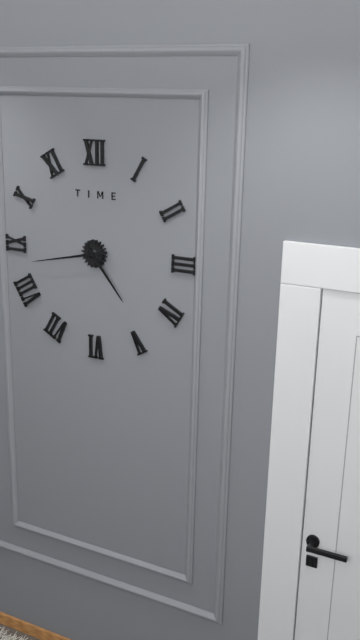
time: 4:43
